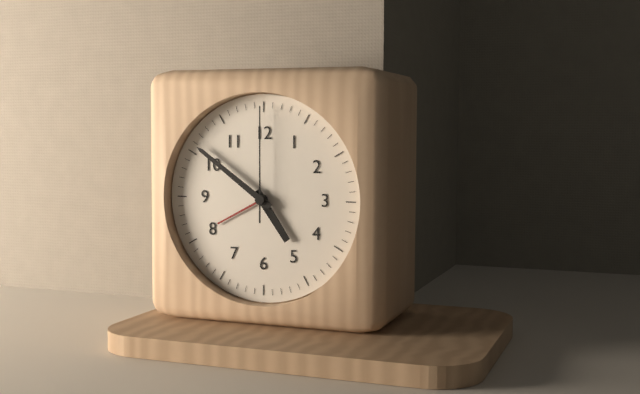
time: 4:51:00
